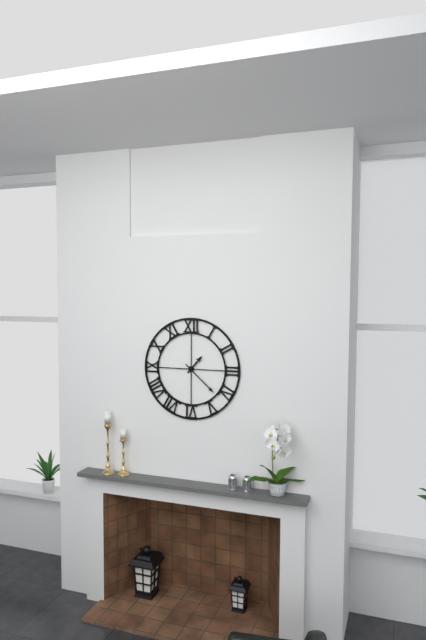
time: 1:22
